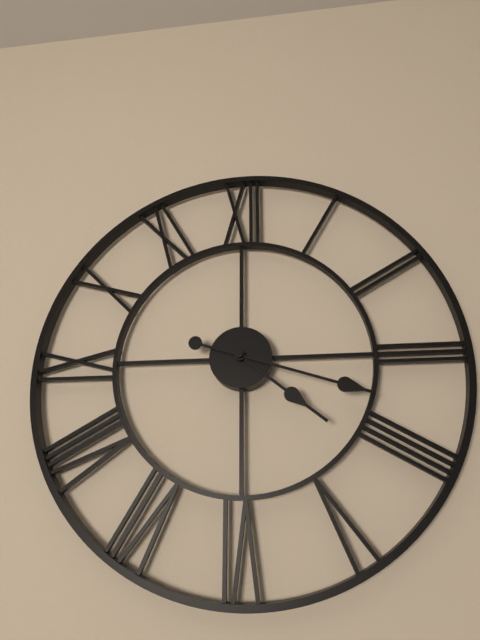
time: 4:18
